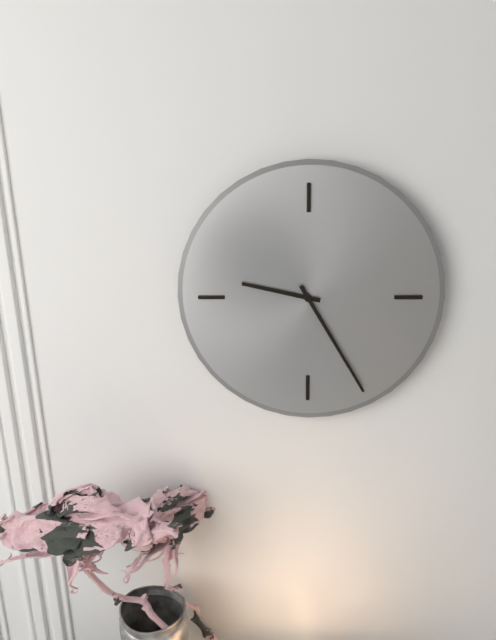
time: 9:25
